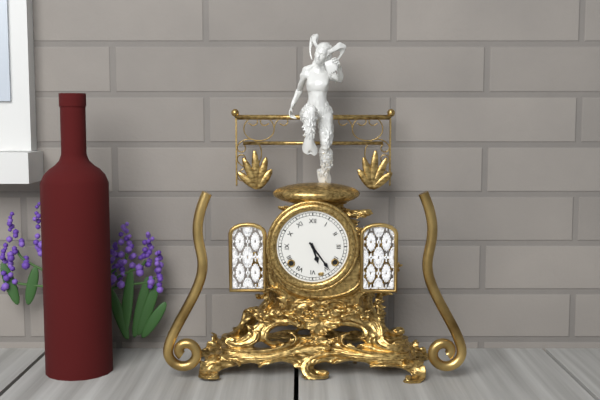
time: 5:24
